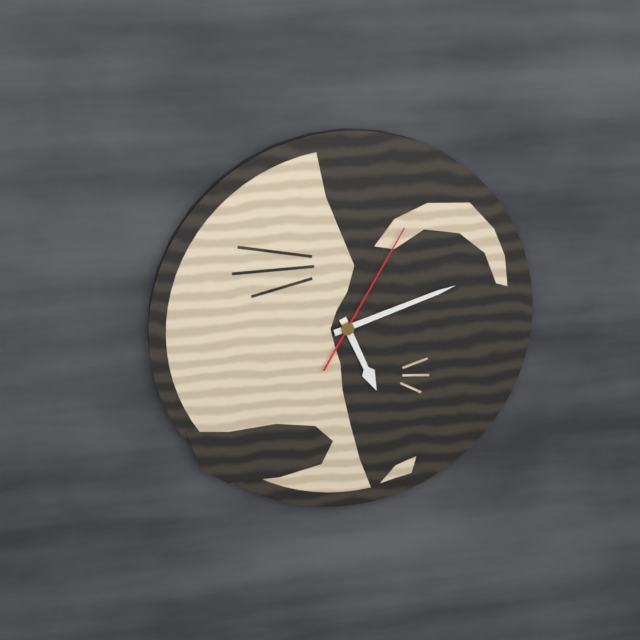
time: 5:12:05
